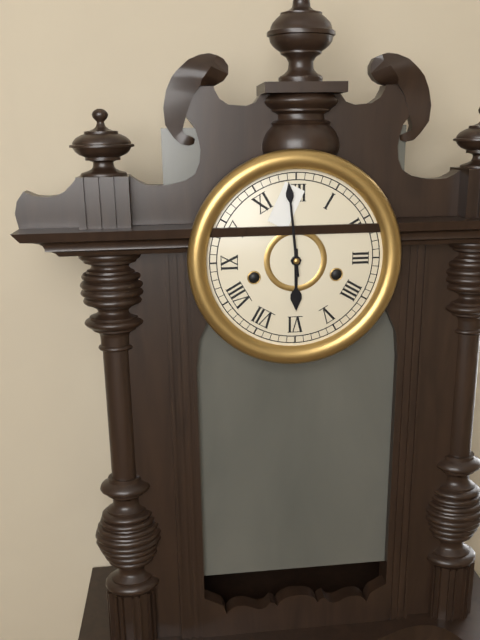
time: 5:59
